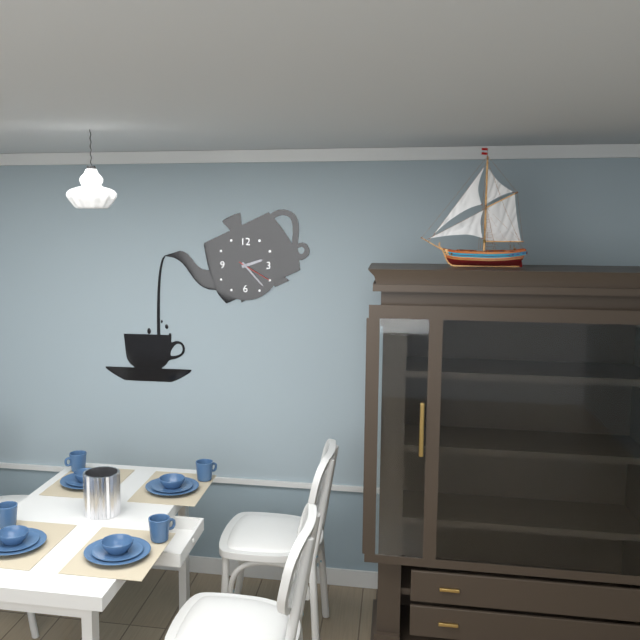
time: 2:23
